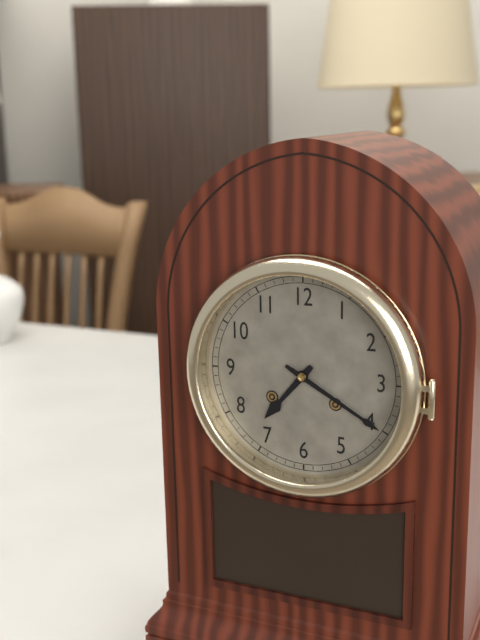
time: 7:20
